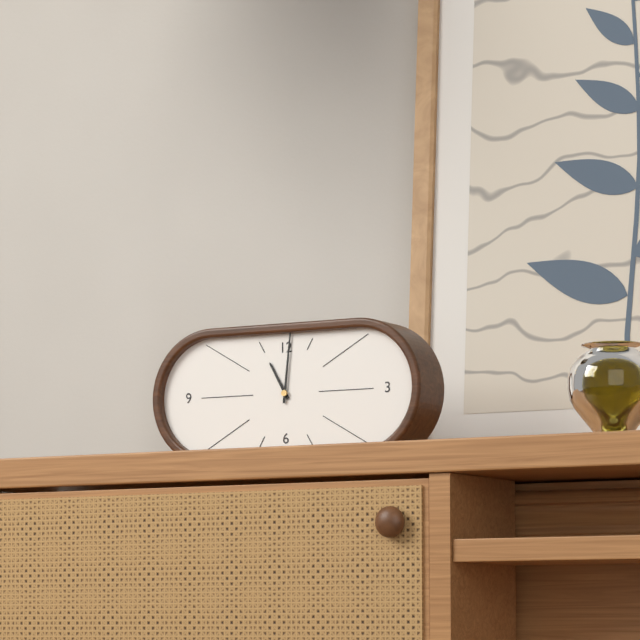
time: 11:01
